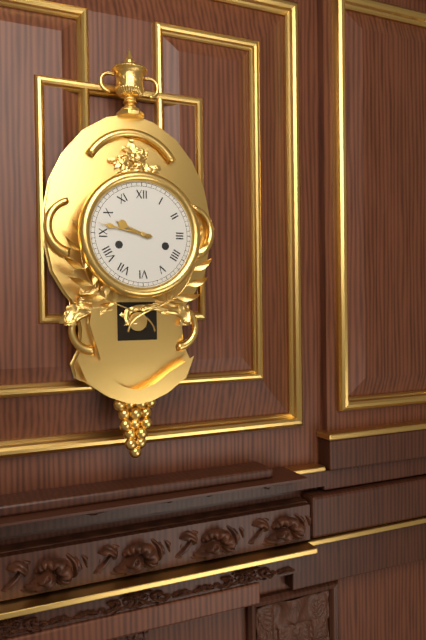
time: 9:47
